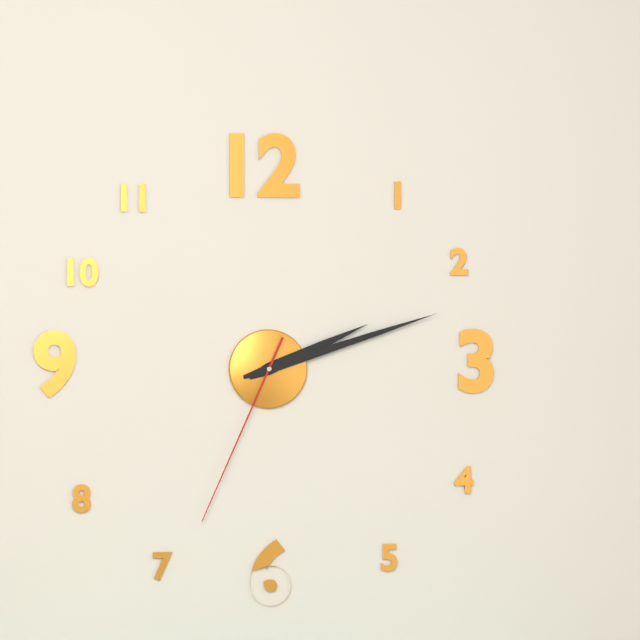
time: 2:12:34
